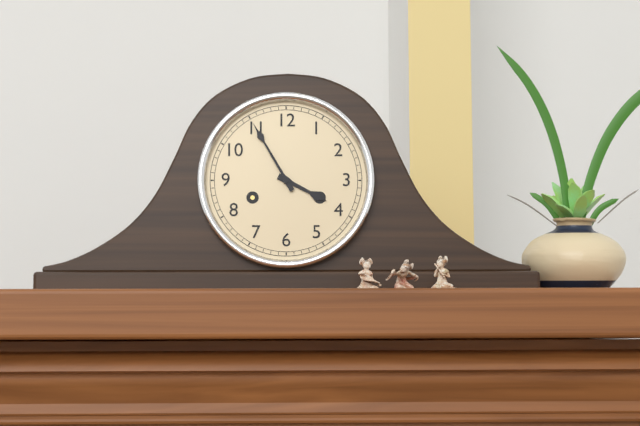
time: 3:55
